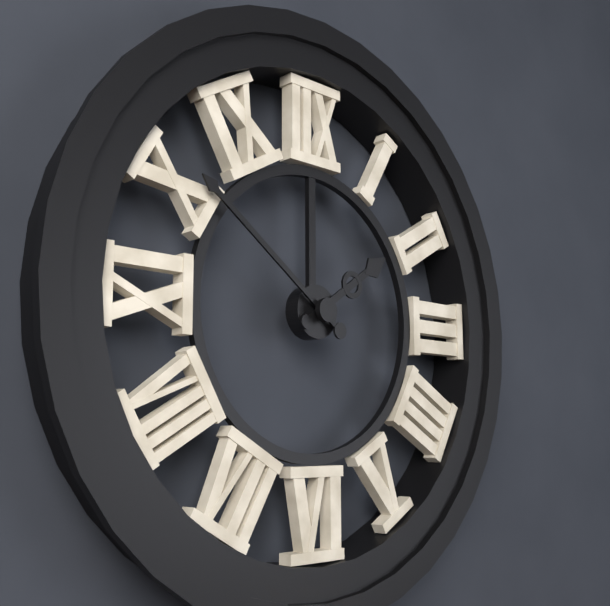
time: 1:51
